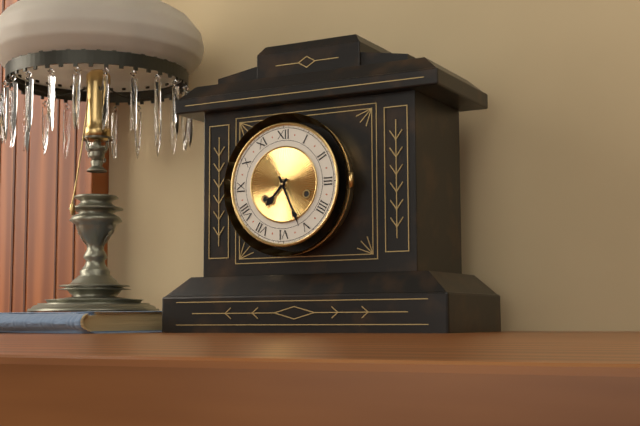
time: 7:26
